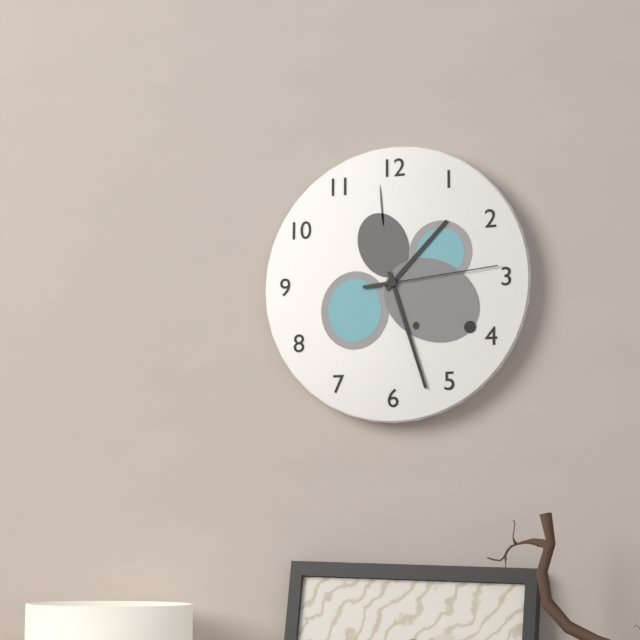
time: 1:27:14
